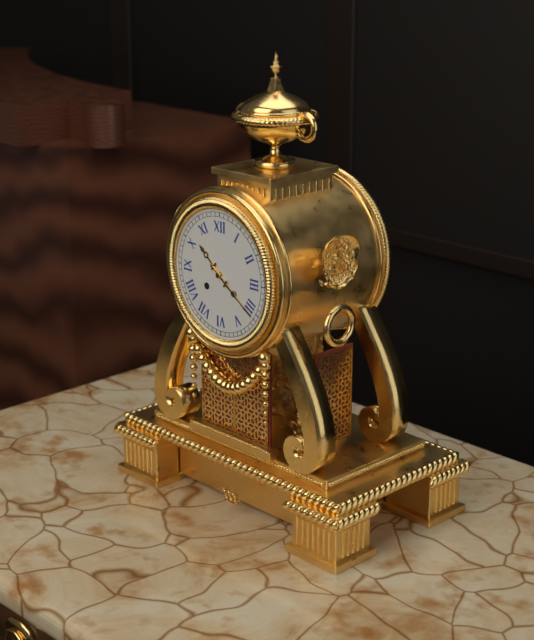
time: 10:21
